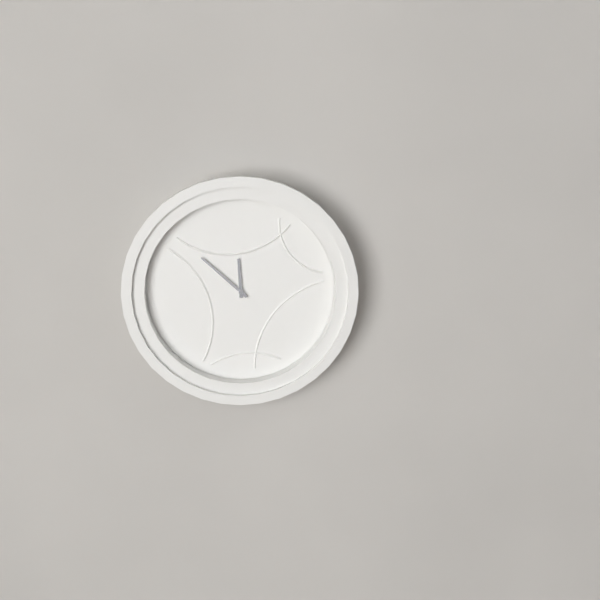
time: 11:52
